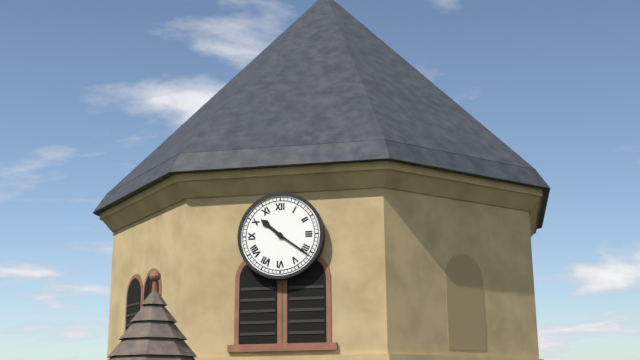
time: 10:21
